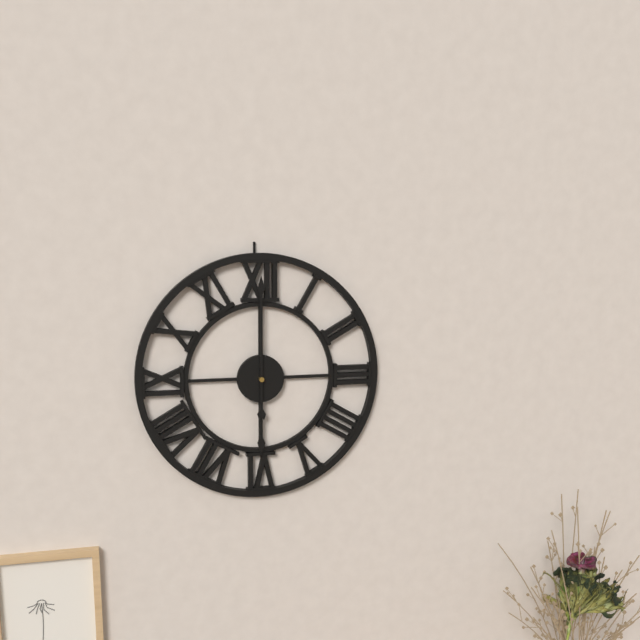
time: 6:00
